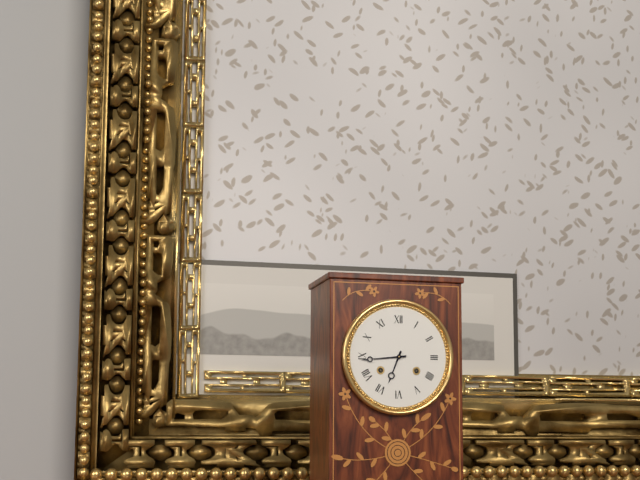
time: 6:44
